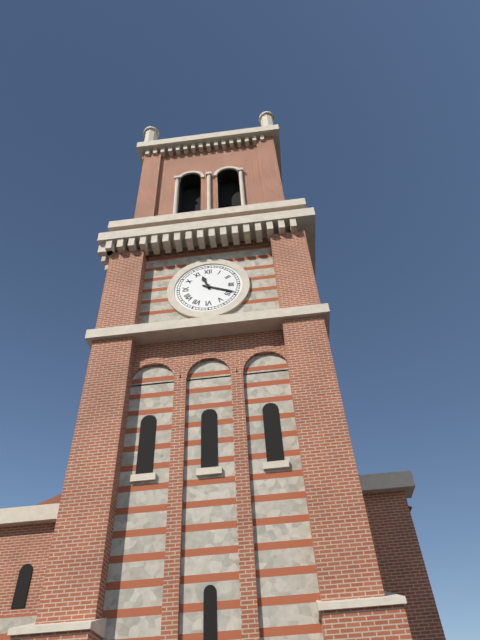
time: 11:19
